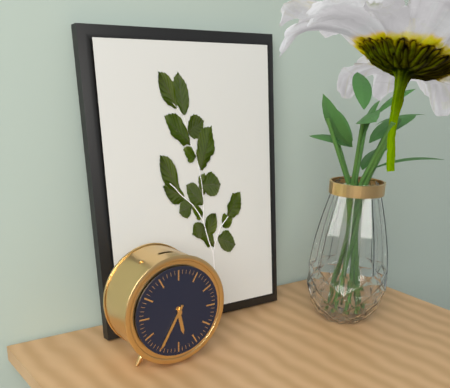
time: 5:35
